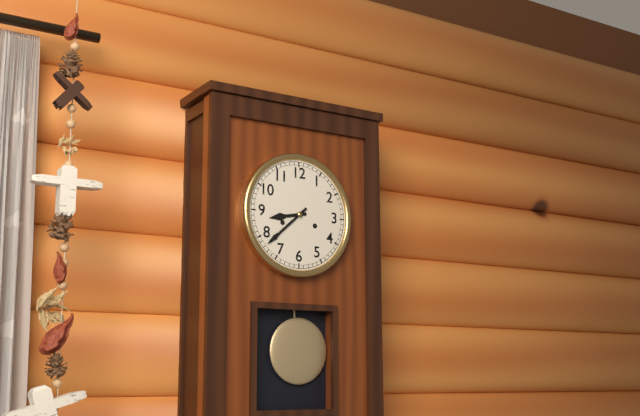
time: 8:38
